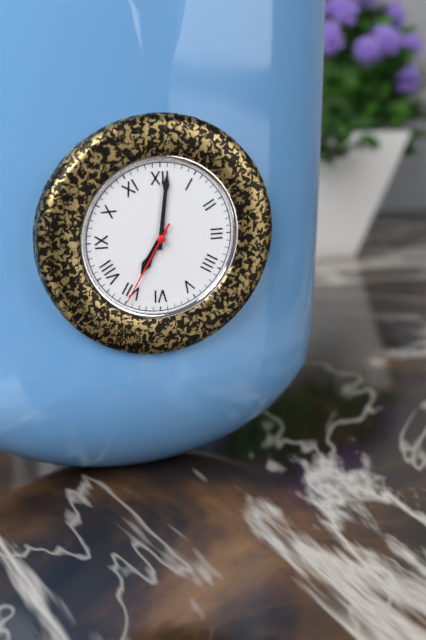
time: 7:01:35
